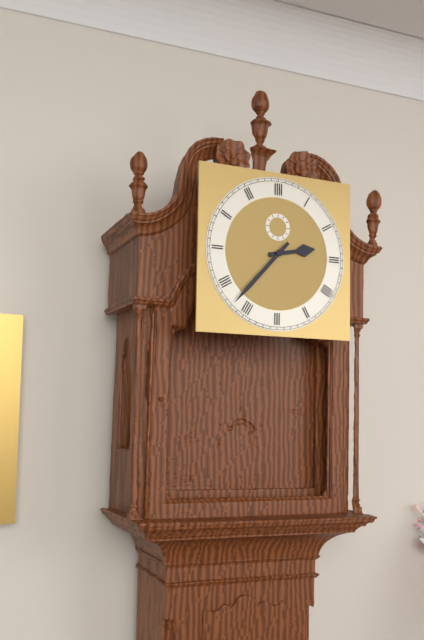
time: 2:37
